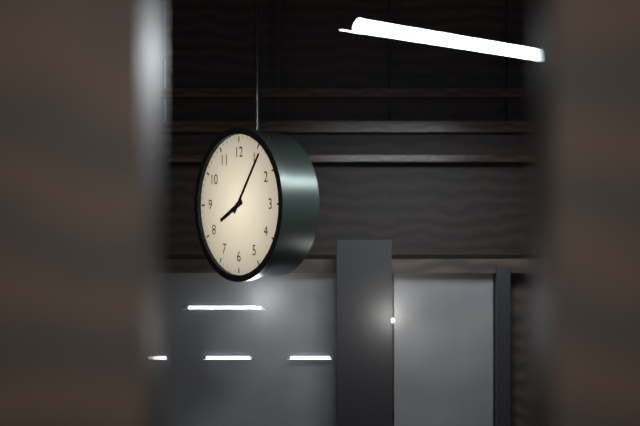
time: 8:06
